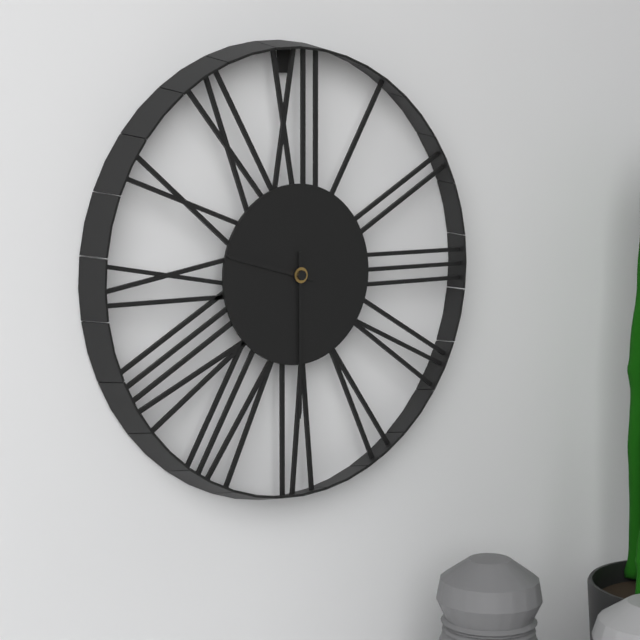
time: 9:30
